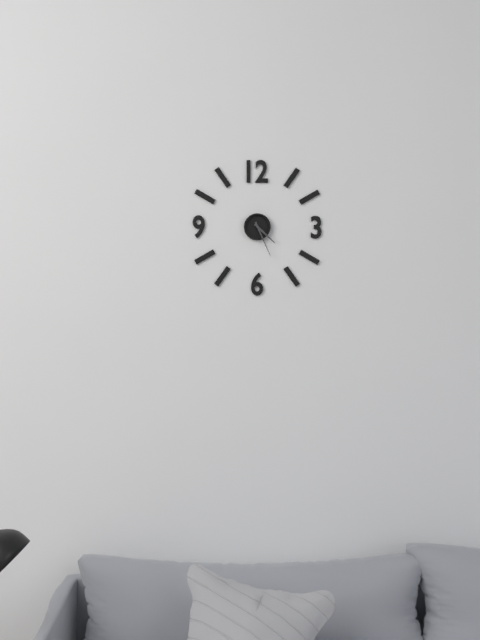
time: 4:26
